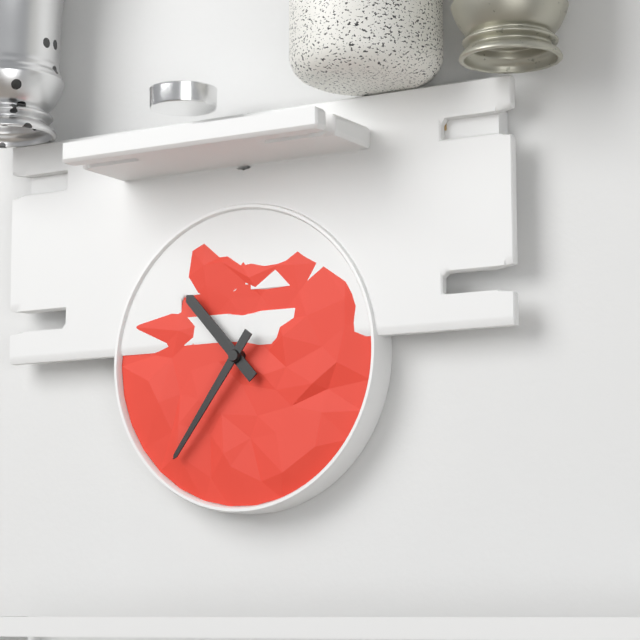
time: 10:36
